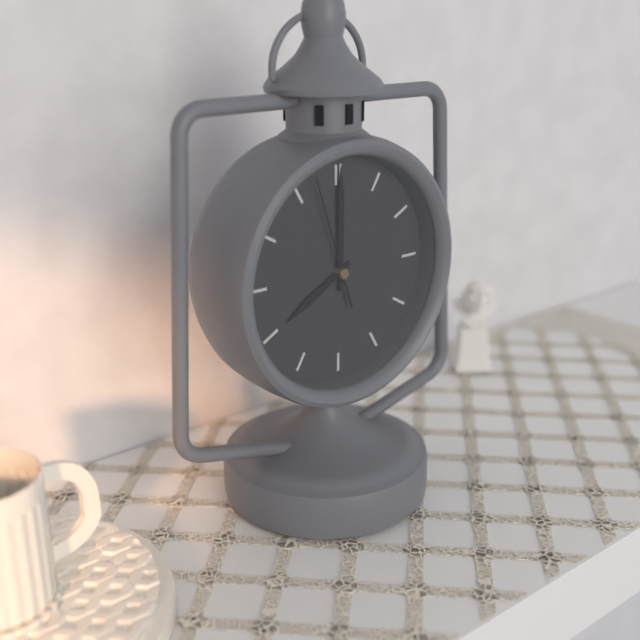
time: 8:00:57
